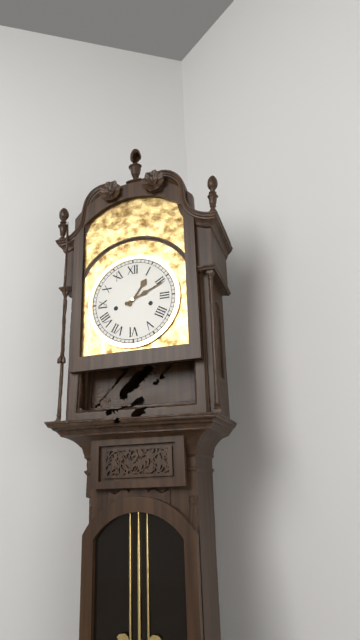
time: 1:11
